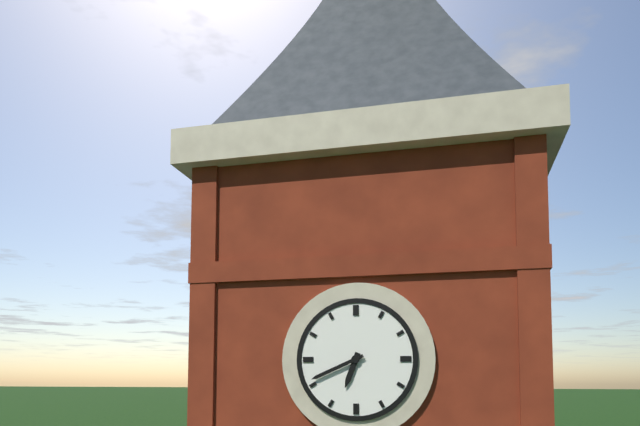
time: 6:41
